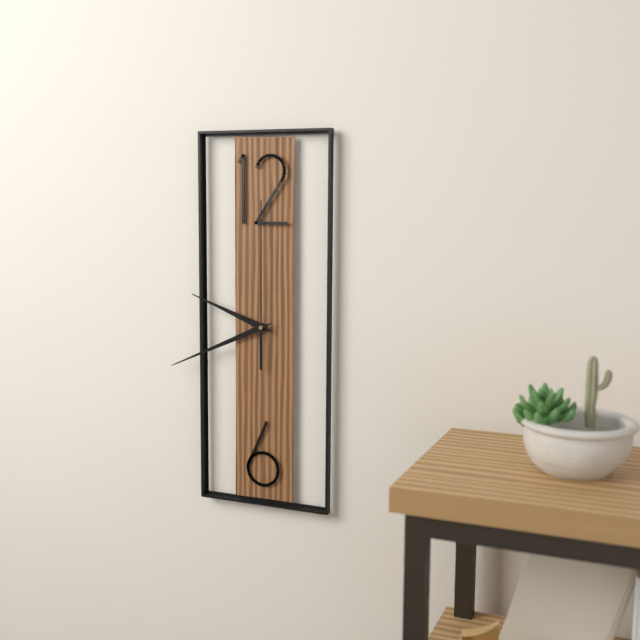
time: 9:41:00
